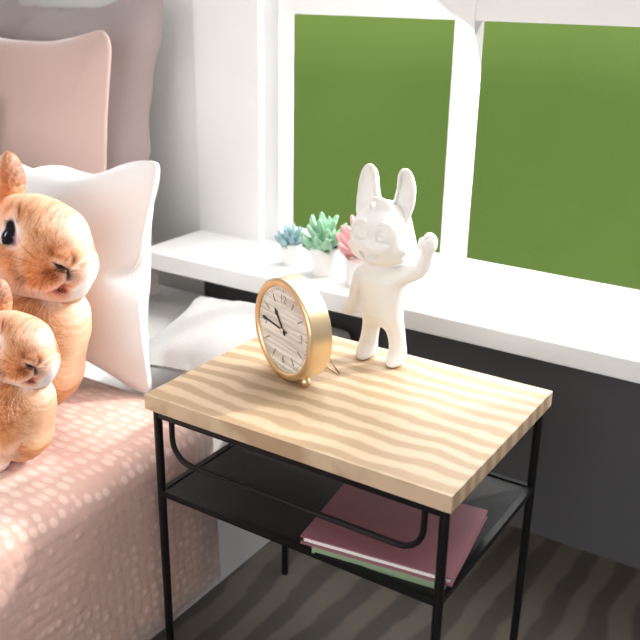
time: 10:46
